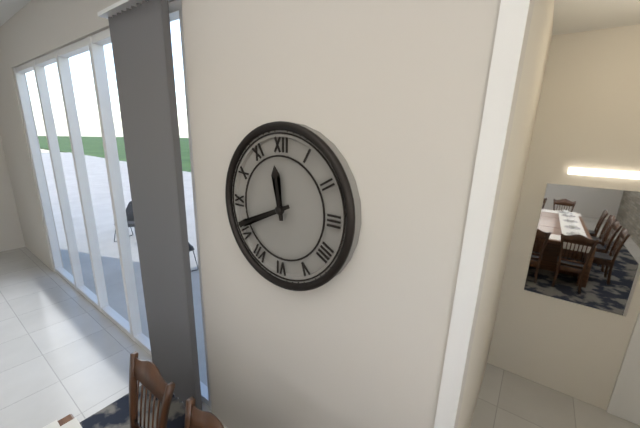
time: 11:41
